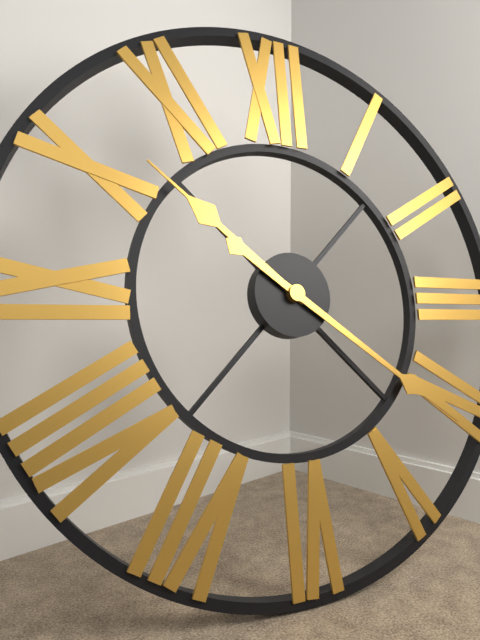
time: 10:21
